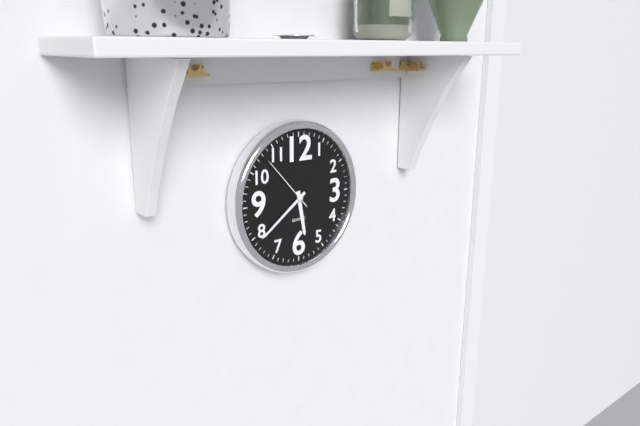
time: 5:39:53
